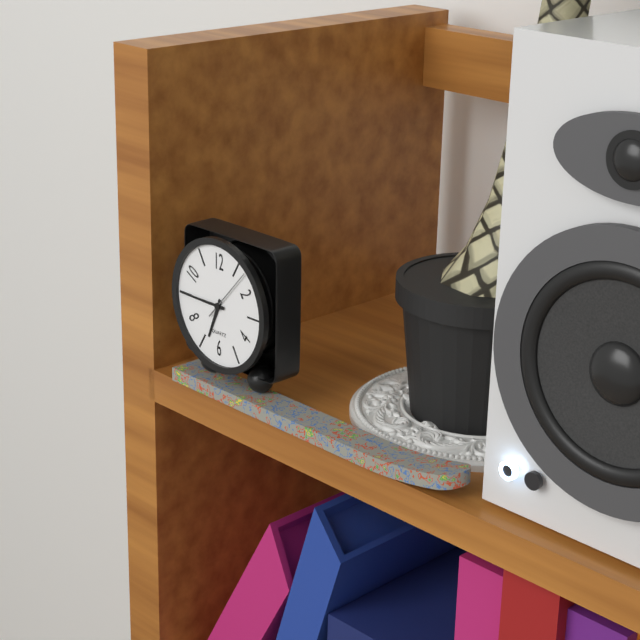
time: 6:45
